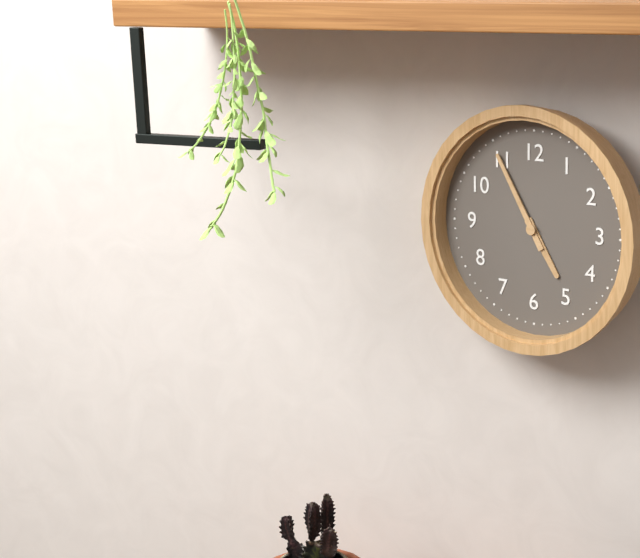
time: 4:55
